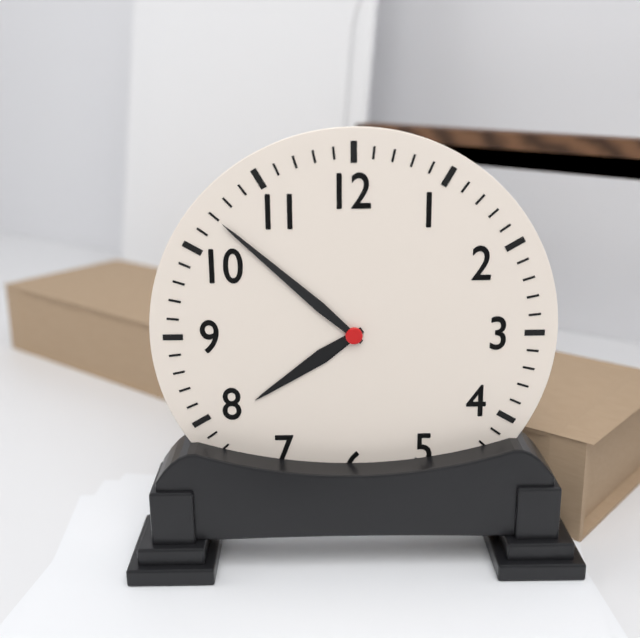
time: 7:52
